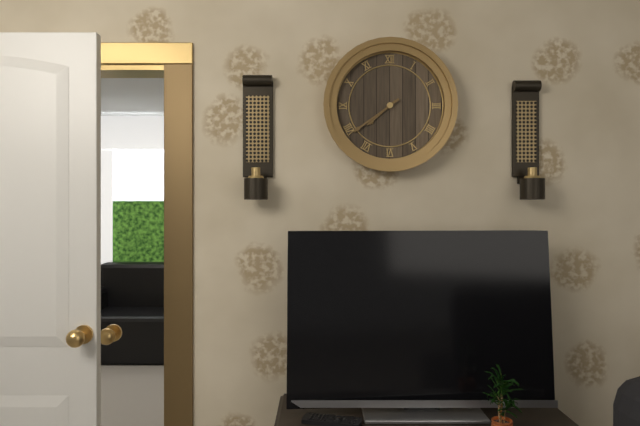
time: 7:39
